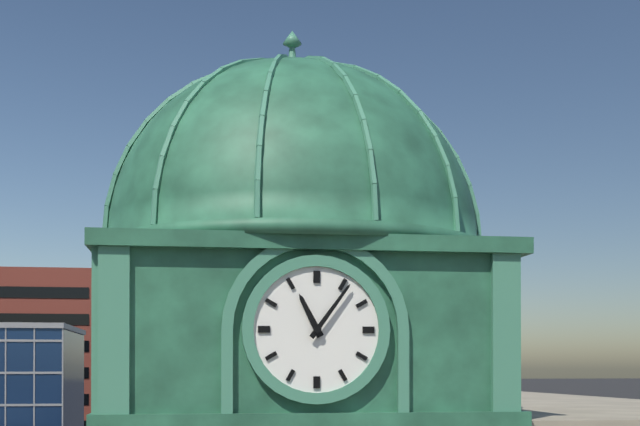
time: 11:06
